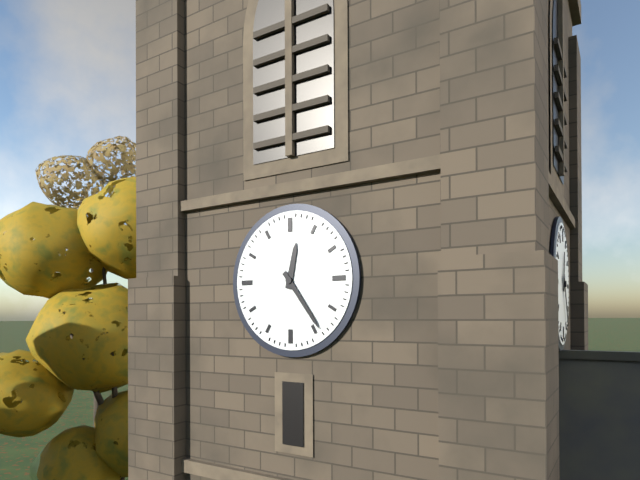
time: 12:24
